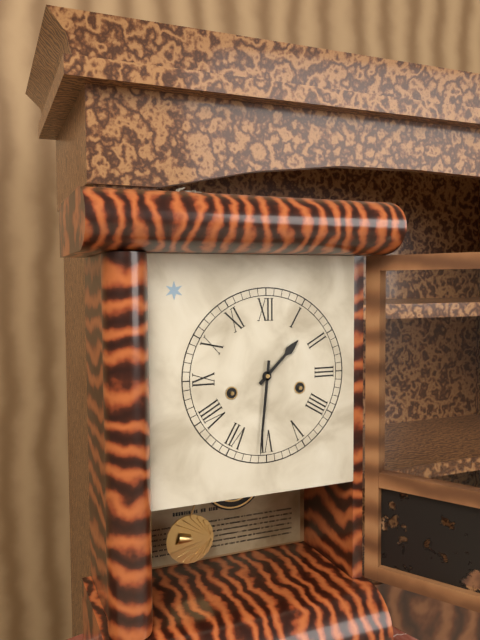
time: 1:31
